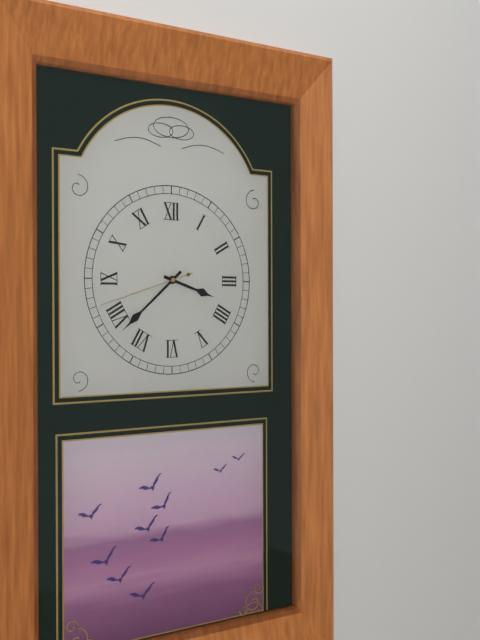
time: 3:38:42
